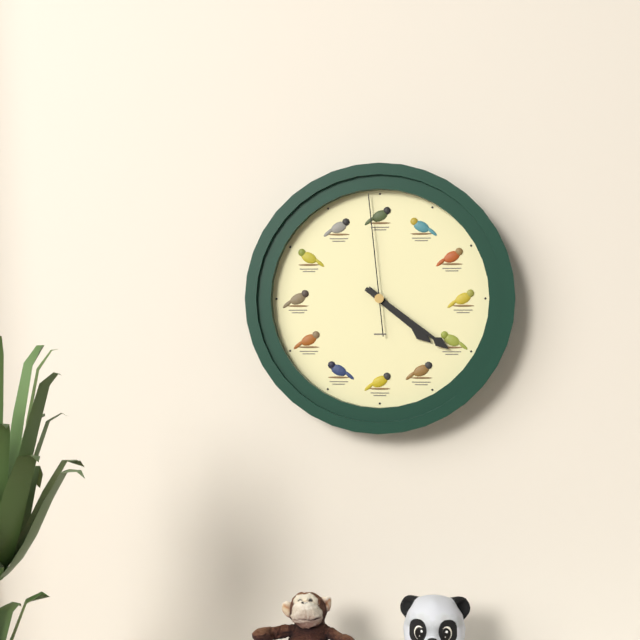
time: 4:21:59
